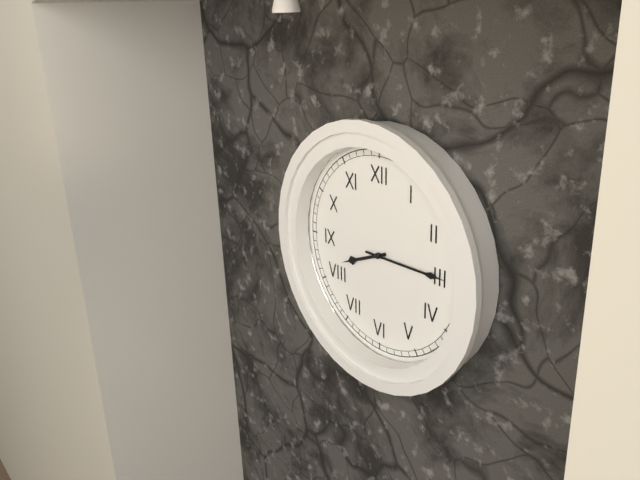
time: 8:15
